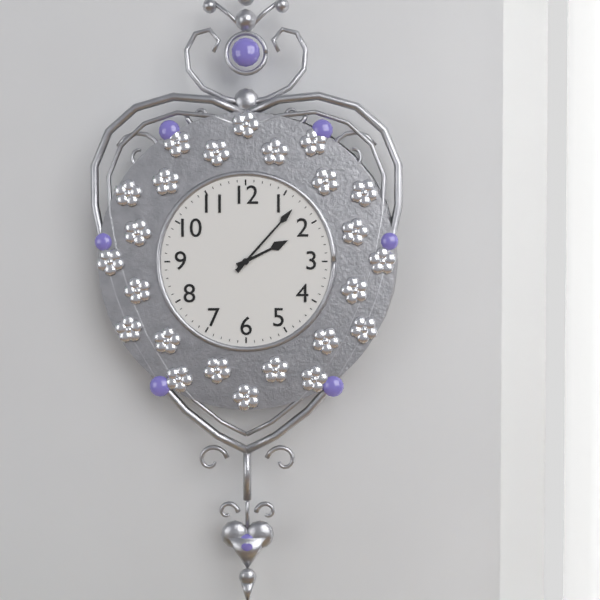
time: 2:07
